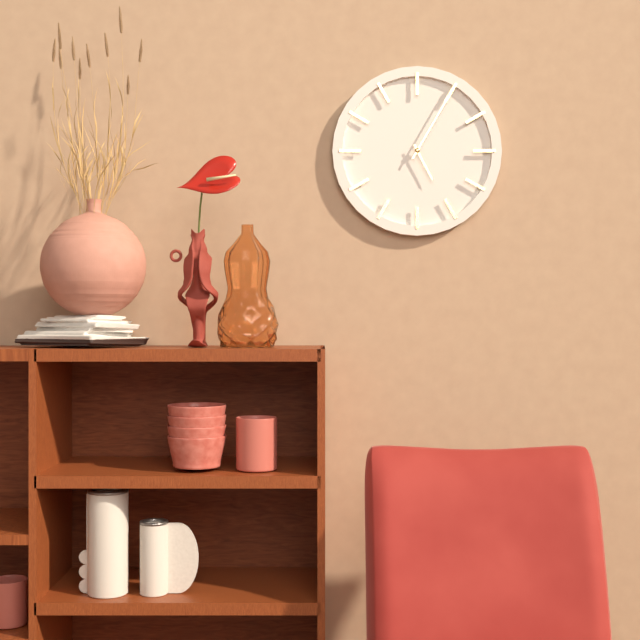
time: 5:05
